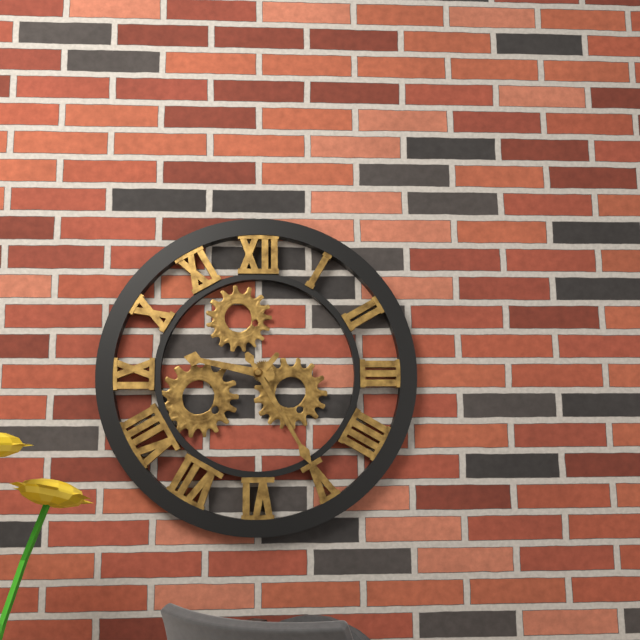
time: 9:25
